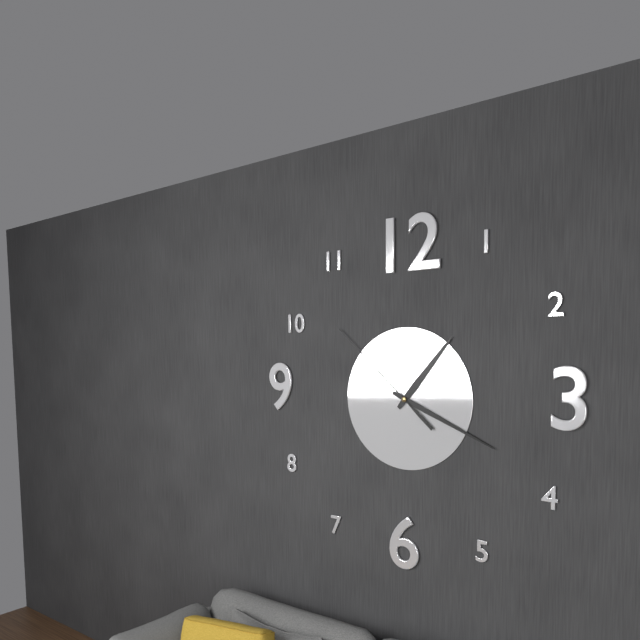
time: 1:19:52
